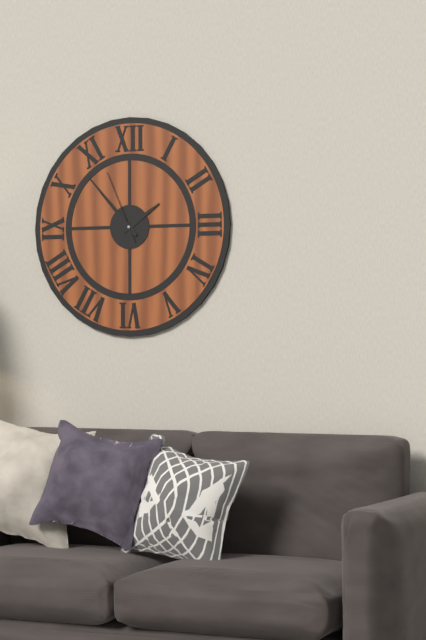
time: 1:53:56
